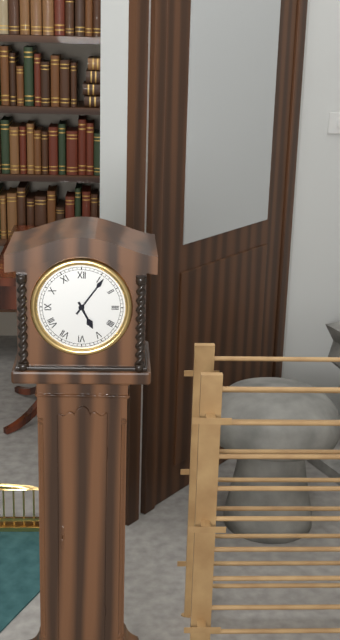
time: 5:06
